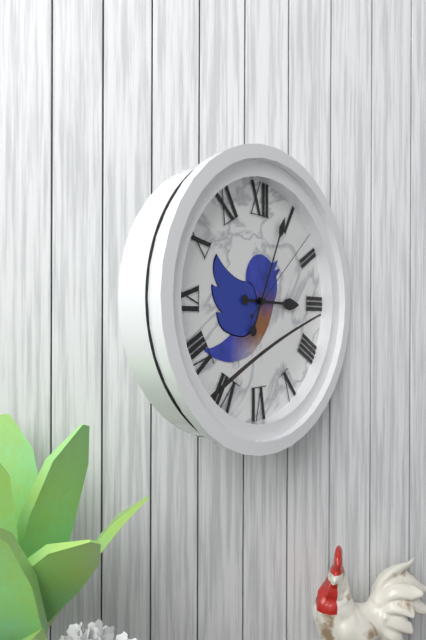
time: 3:04:08
